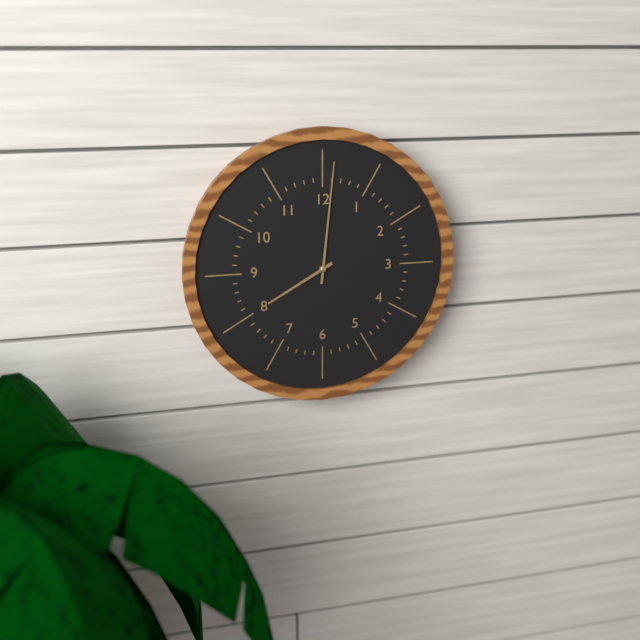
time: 8:01
